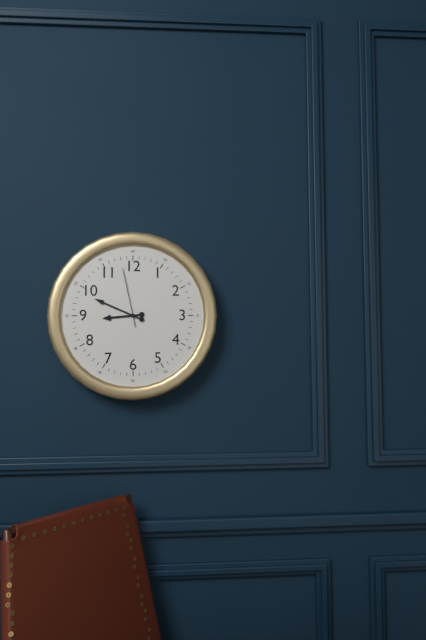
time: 8:49:58
